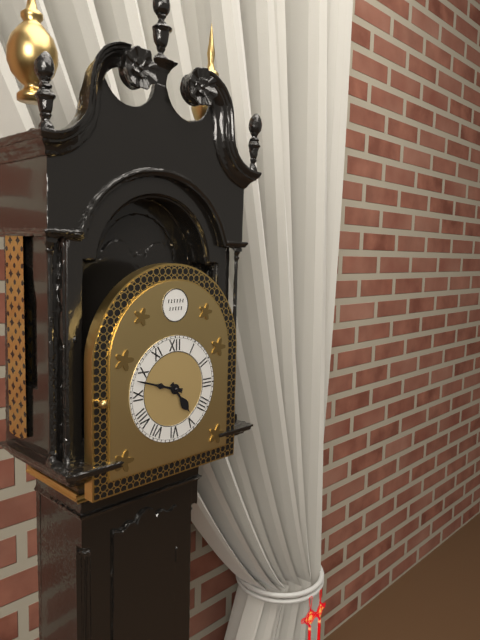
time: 4:48
